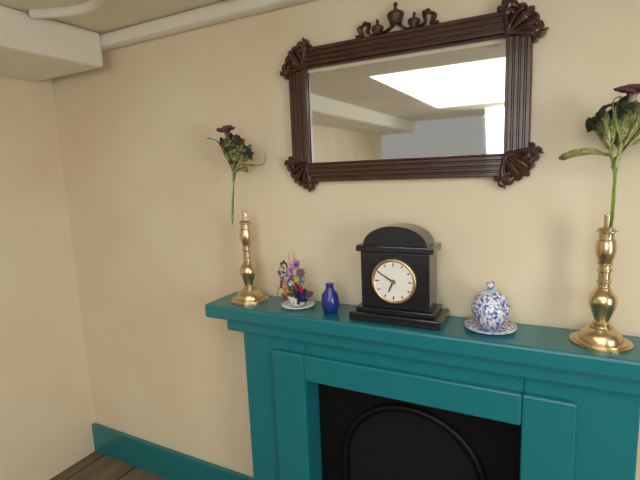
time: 6:50
